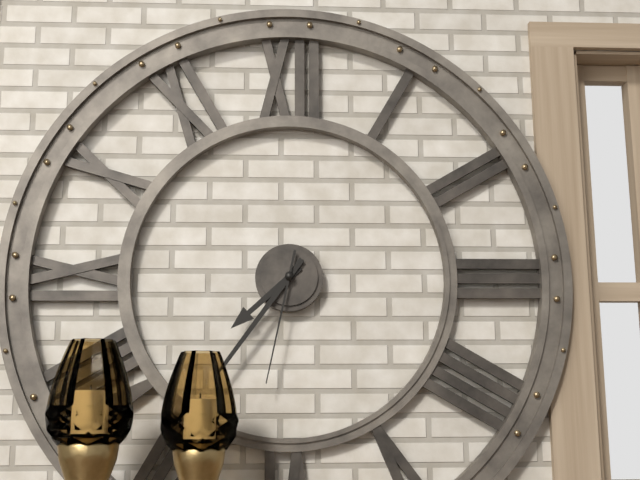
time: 7:36:32
